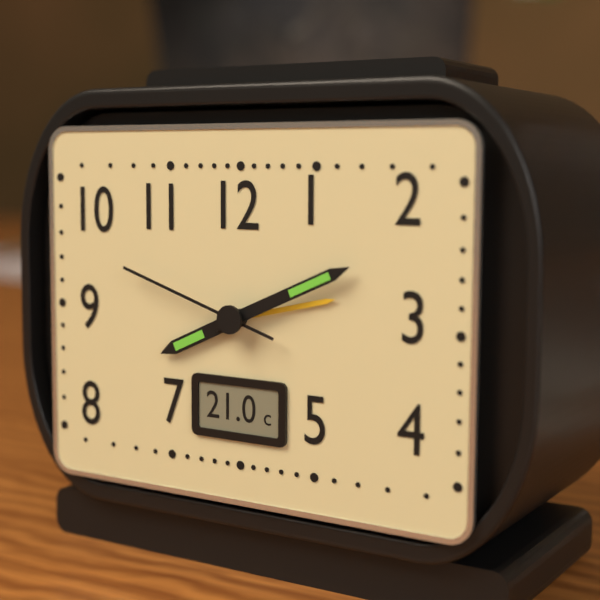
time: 8:11:48
